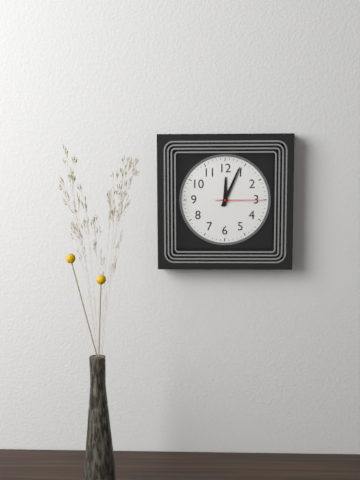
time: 12:04
